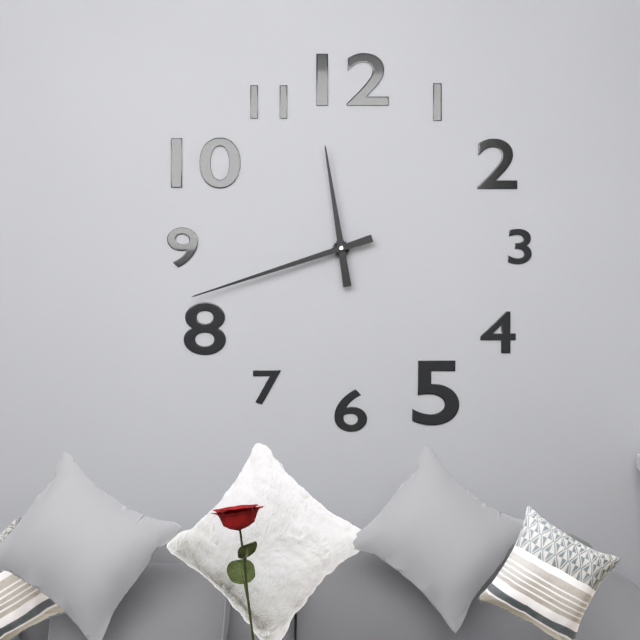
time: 11:42
